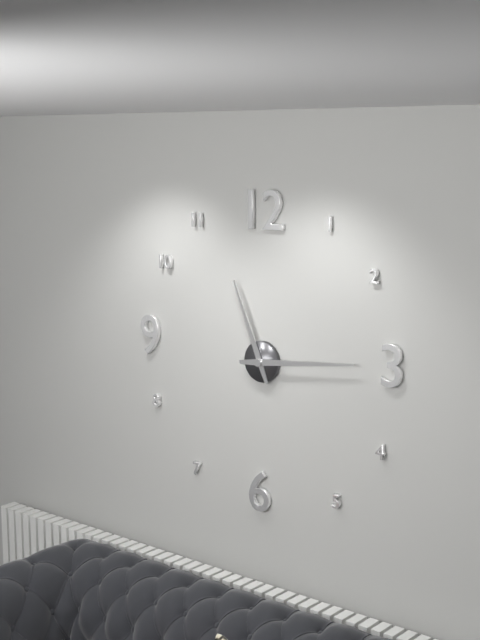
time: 11:14
